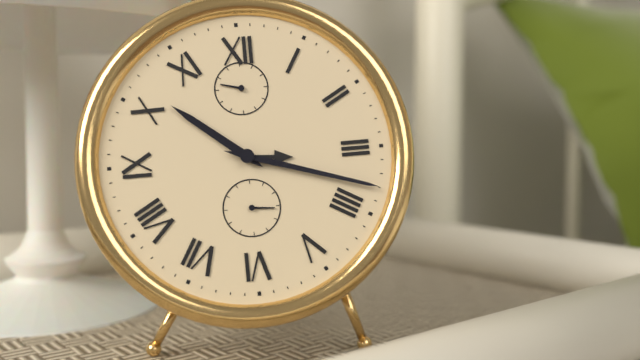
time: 10:18
